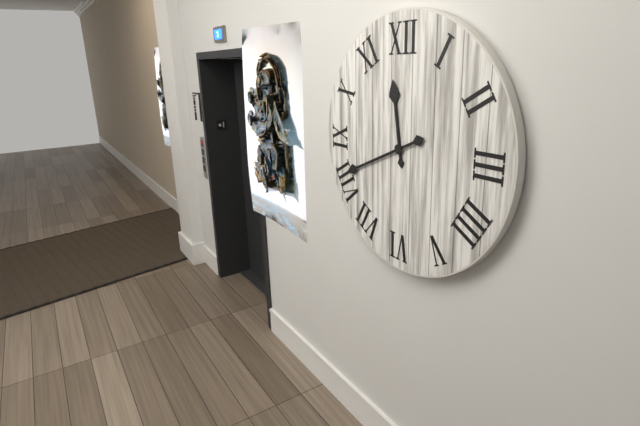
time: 11:41
